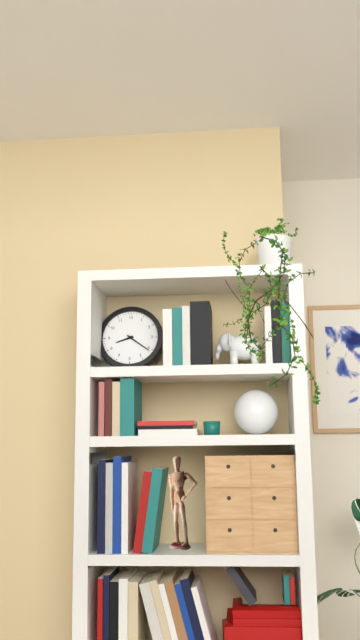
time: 8:21
